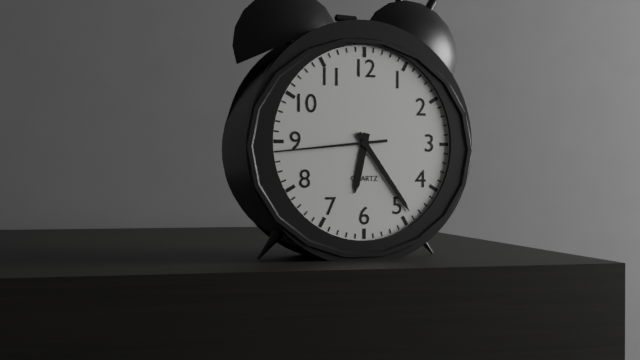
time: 6:24:44
